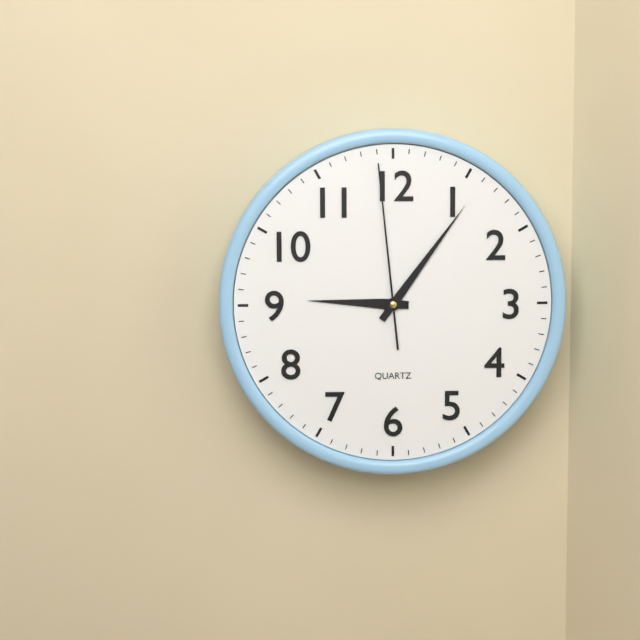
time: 9:06:59
